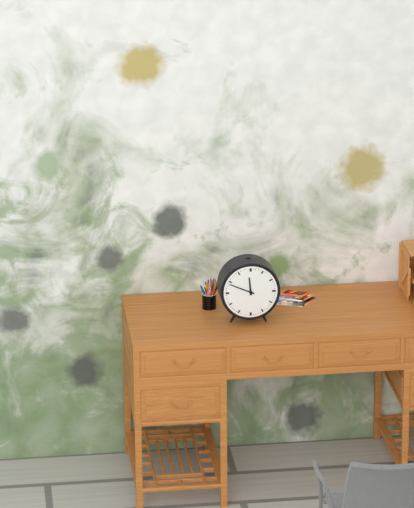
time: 11:49
